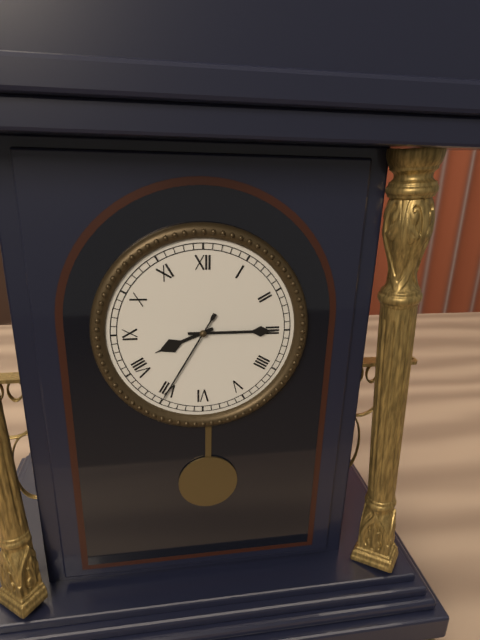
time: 8:15:35
